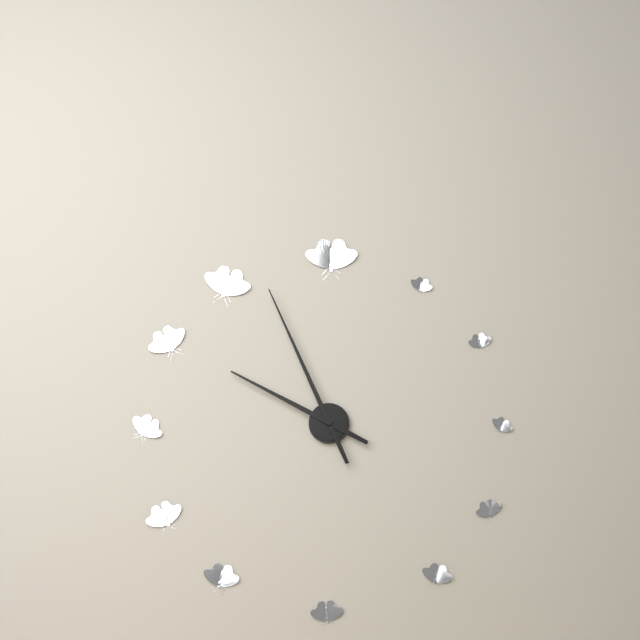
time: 9:56
